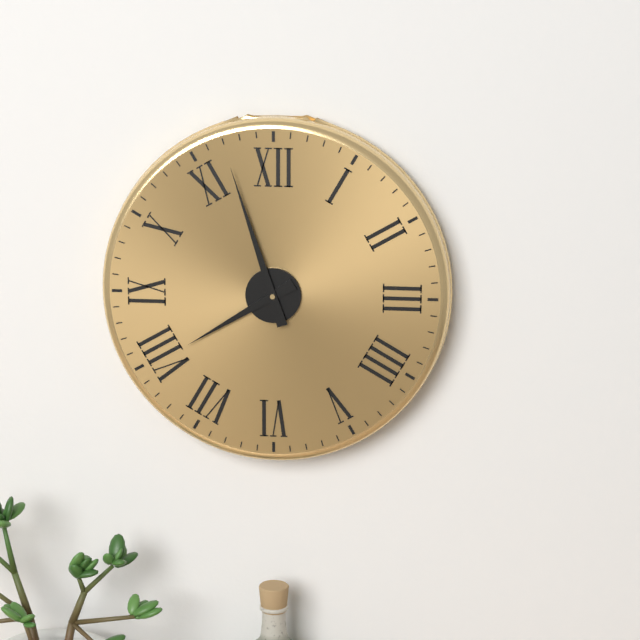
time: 7:57
